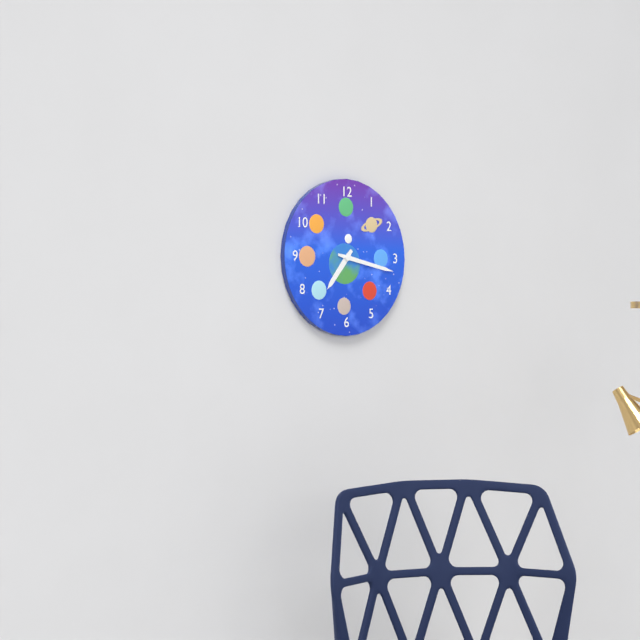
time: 7:17
